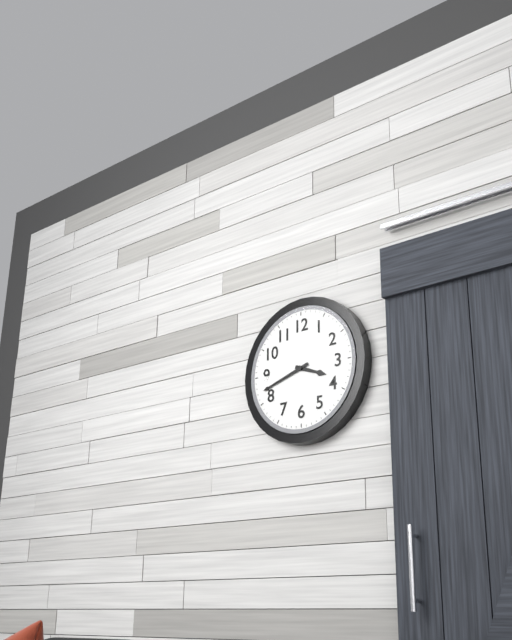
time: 3:42
